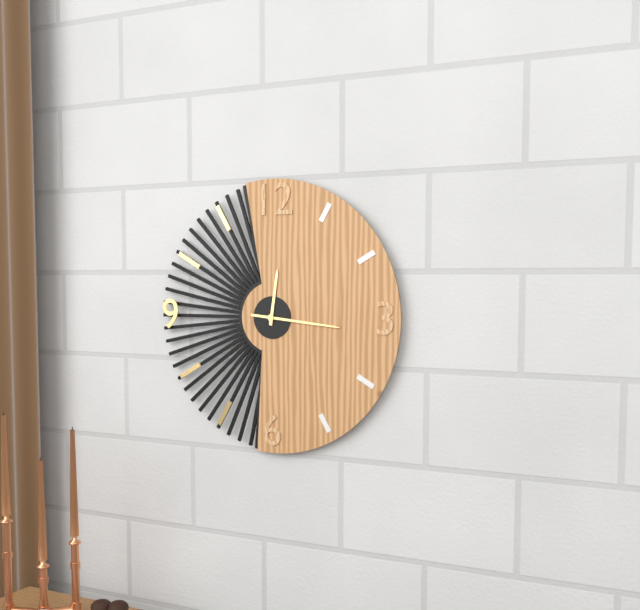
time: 12:16
